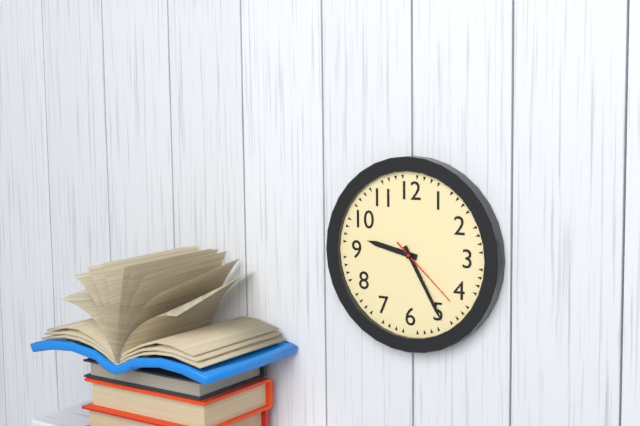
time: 9:25:22
